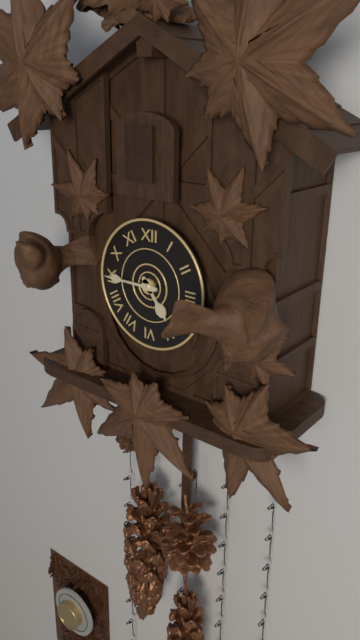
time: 4:45
